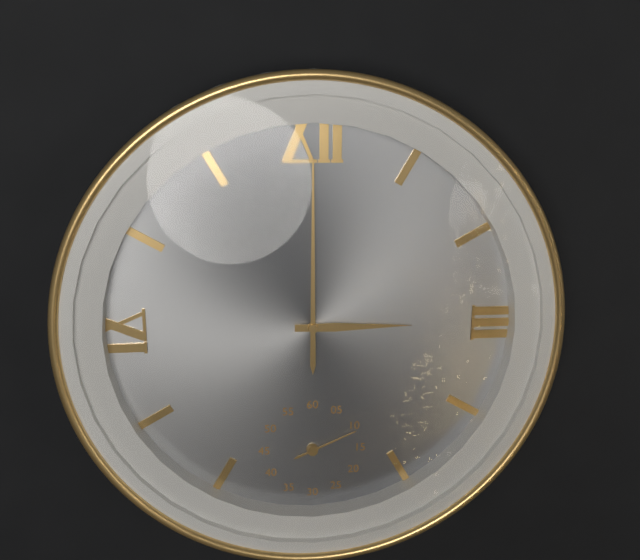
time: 3:00:11
